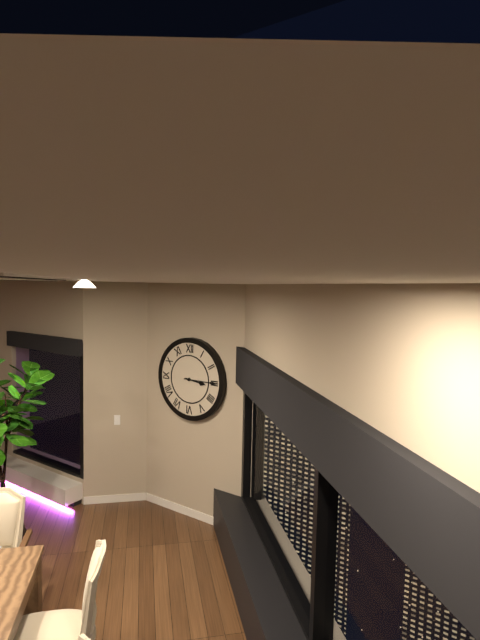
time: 3:15
